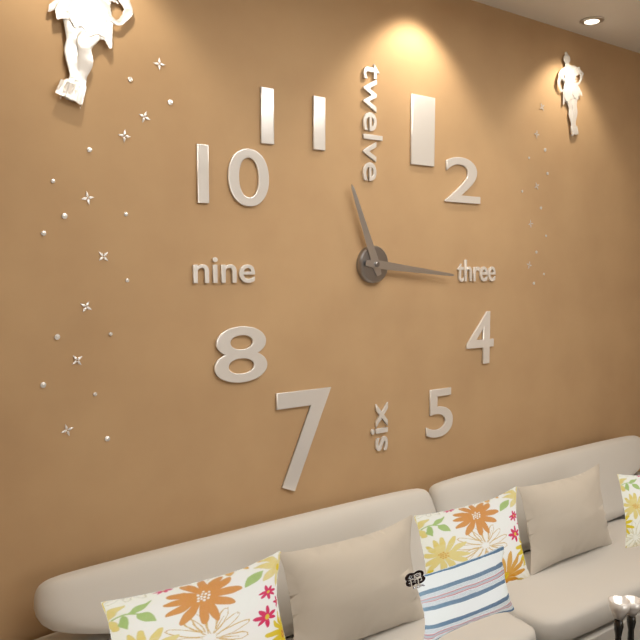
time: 11:16
